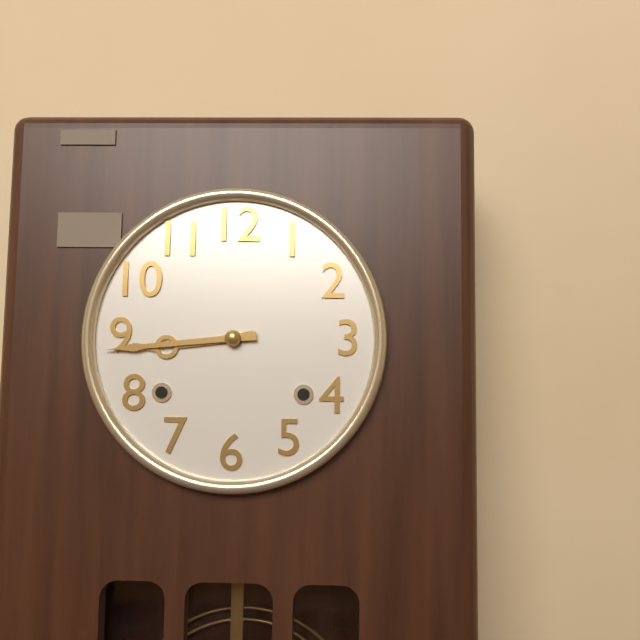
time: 8:44
